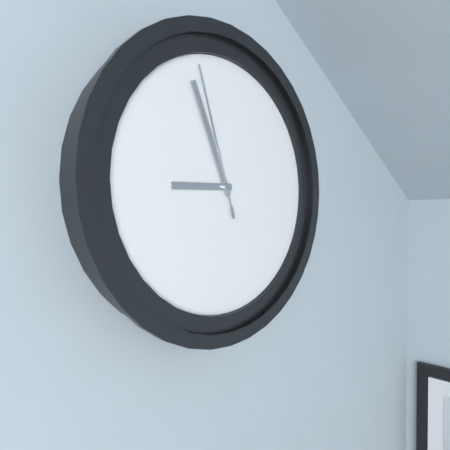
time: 8:56:57
